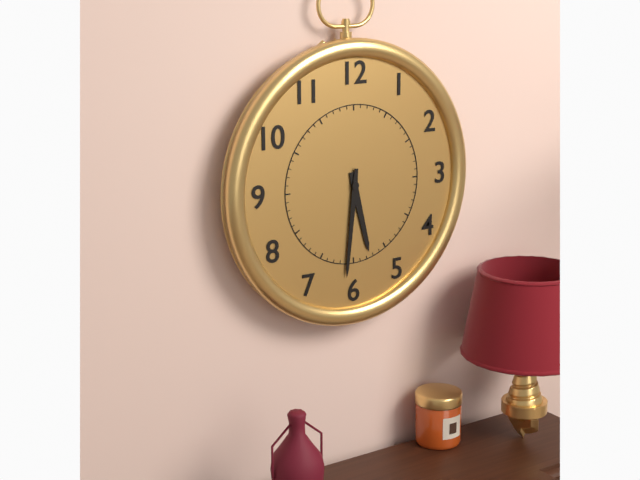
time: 5:31
